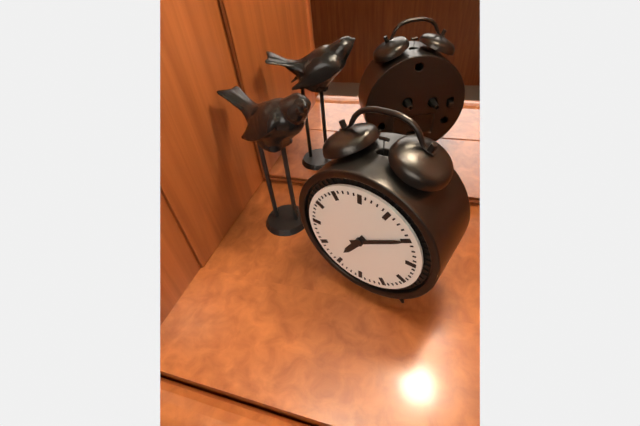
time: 7:10
